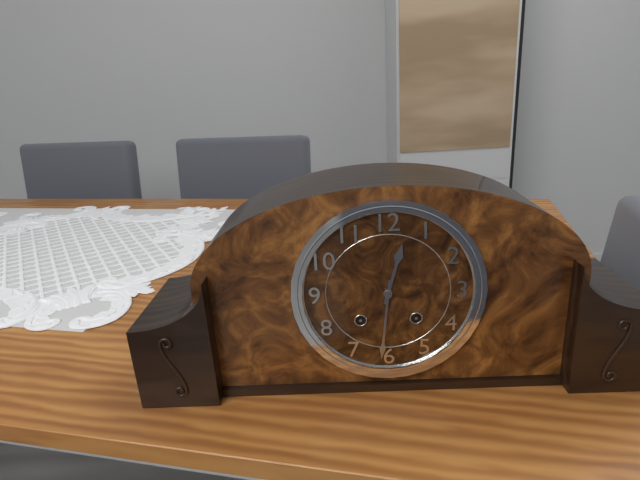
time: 12:31
